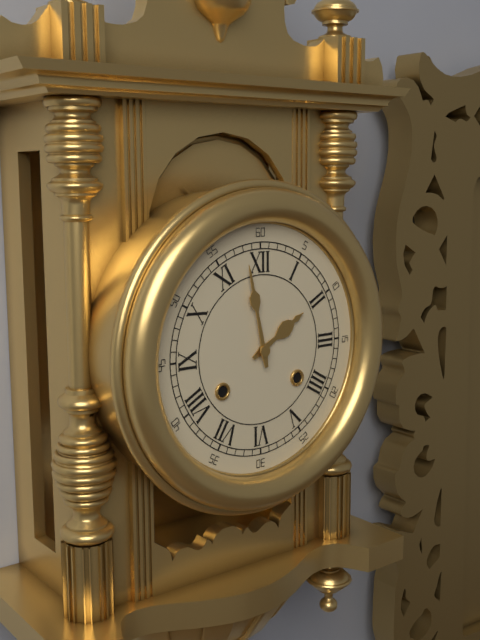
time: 1:58
